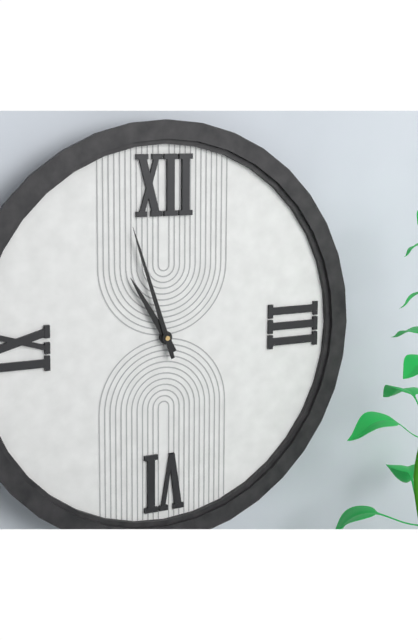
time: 10:57
